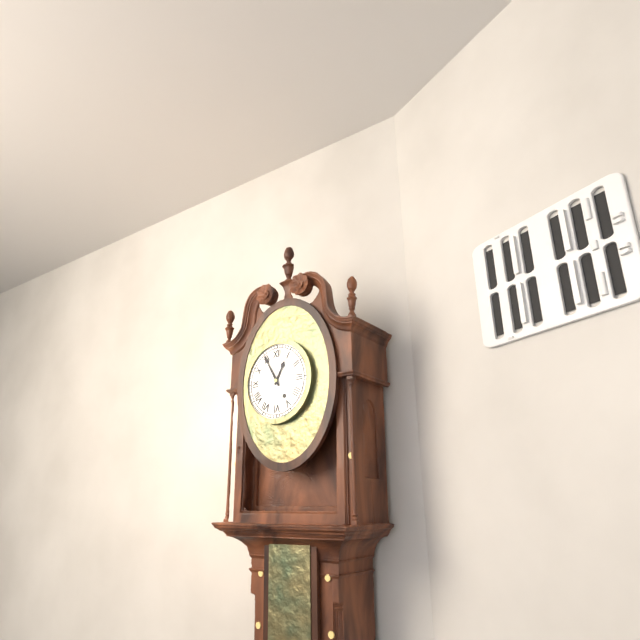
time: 12:55
